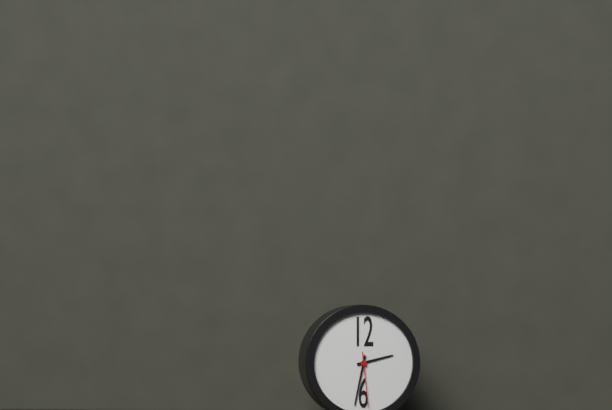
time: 2:32:29
